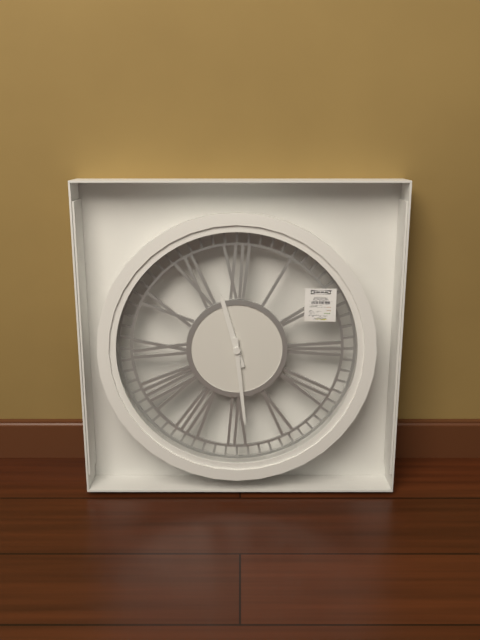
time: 11:29
